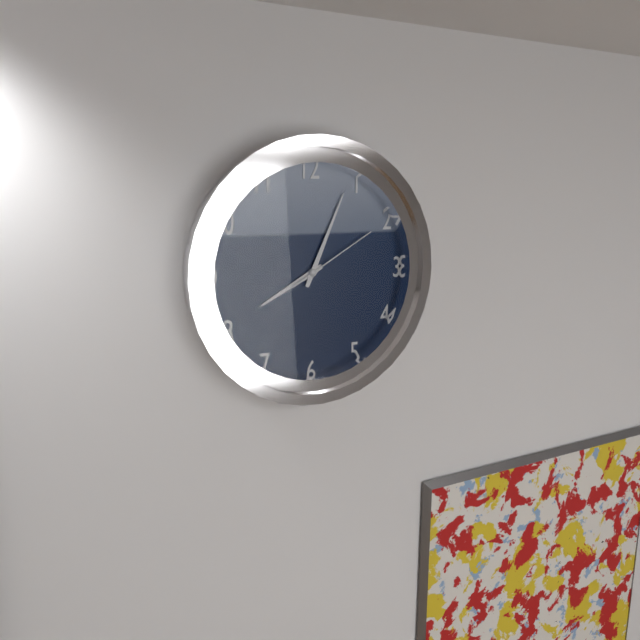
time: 8:04:10
